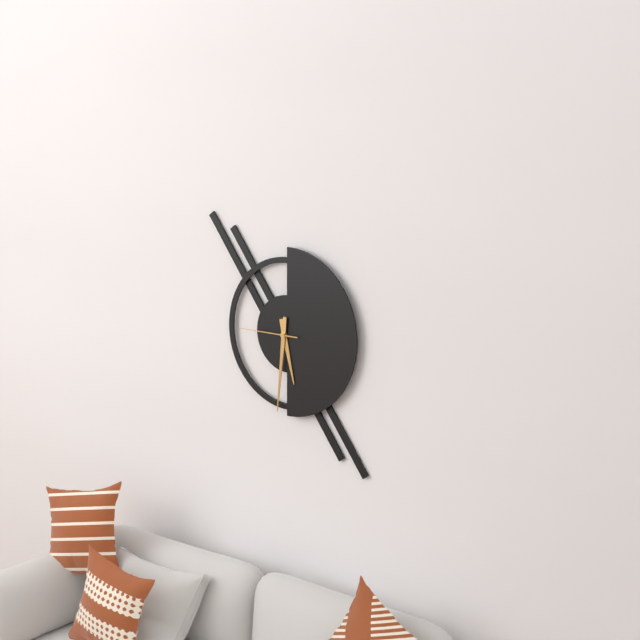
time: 5:31:45
